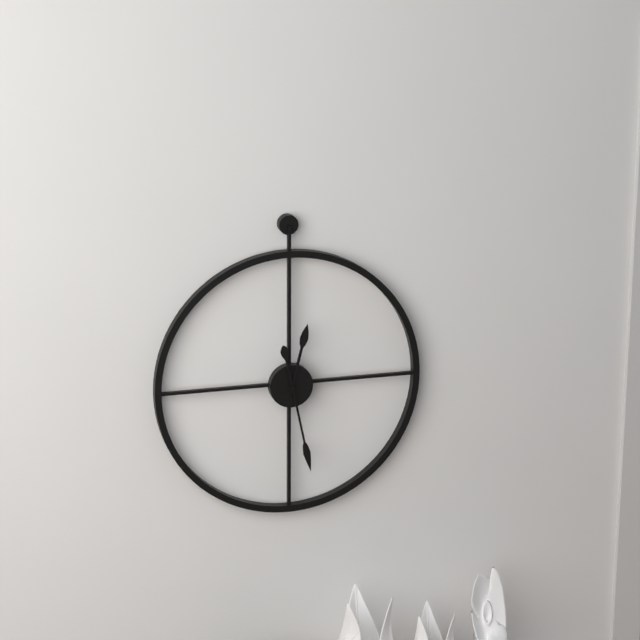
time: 12:28
